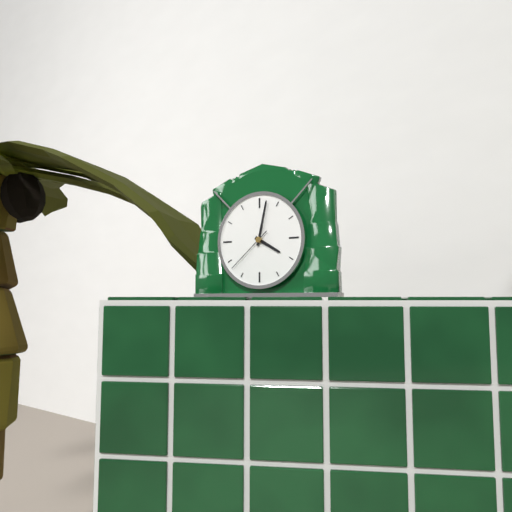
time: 4:02:38
